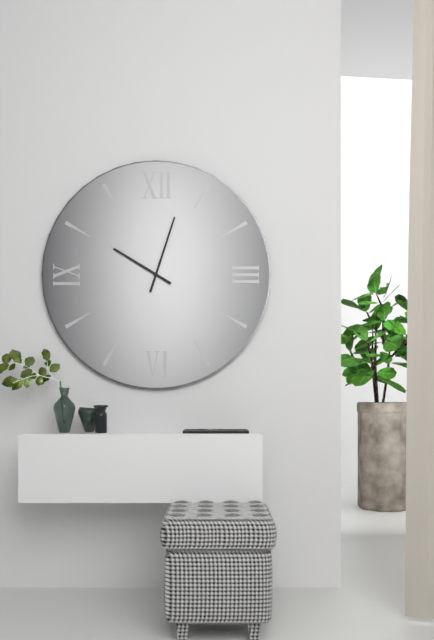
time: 10:03
